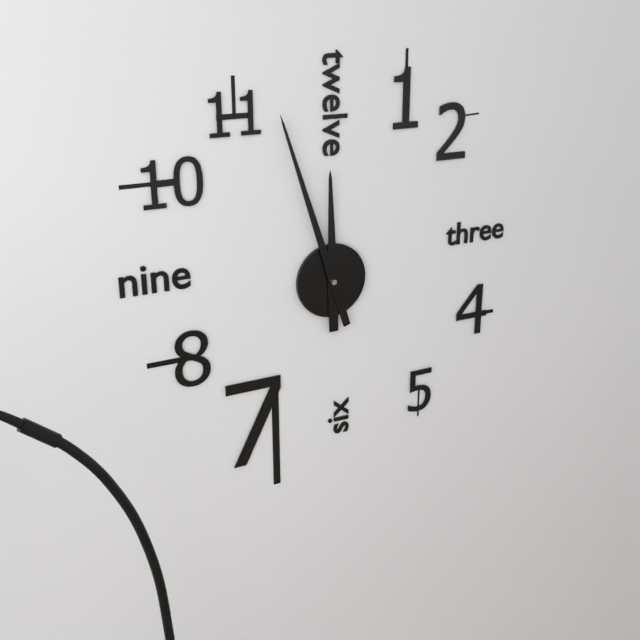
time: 11:57
